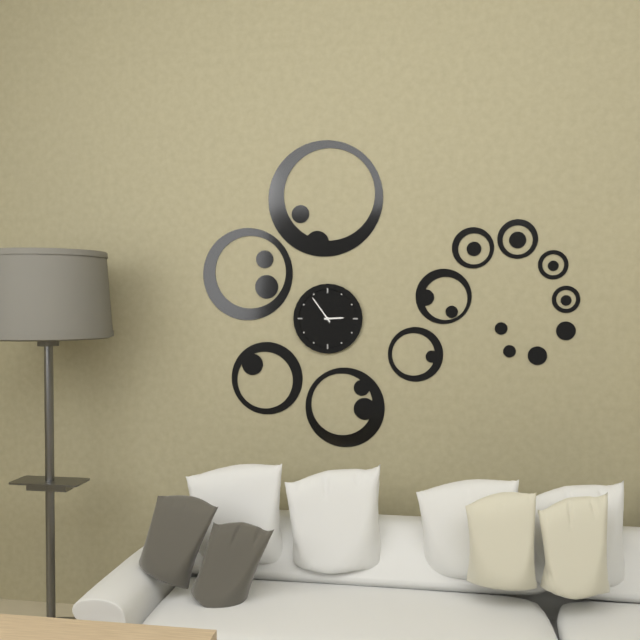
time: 2:54
